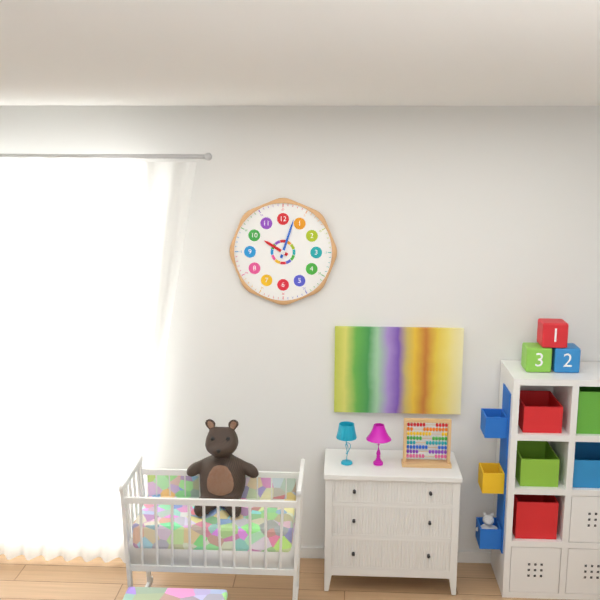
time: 10:03
